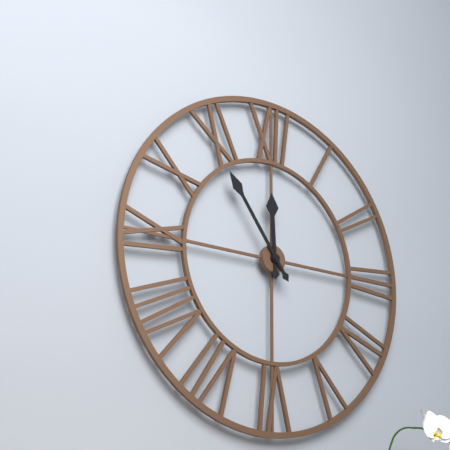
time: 11:54
